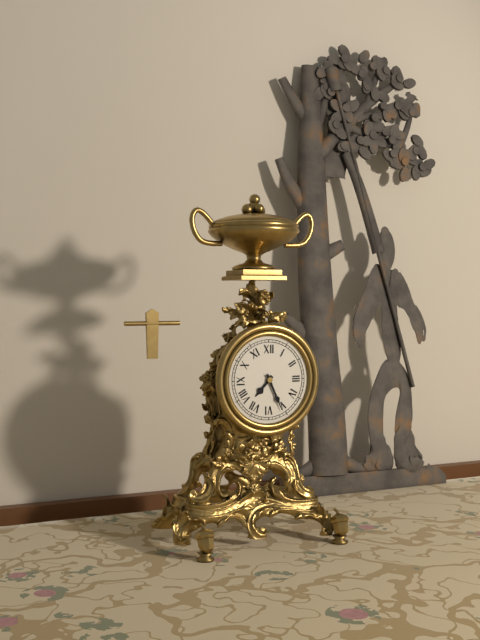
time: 7:26
